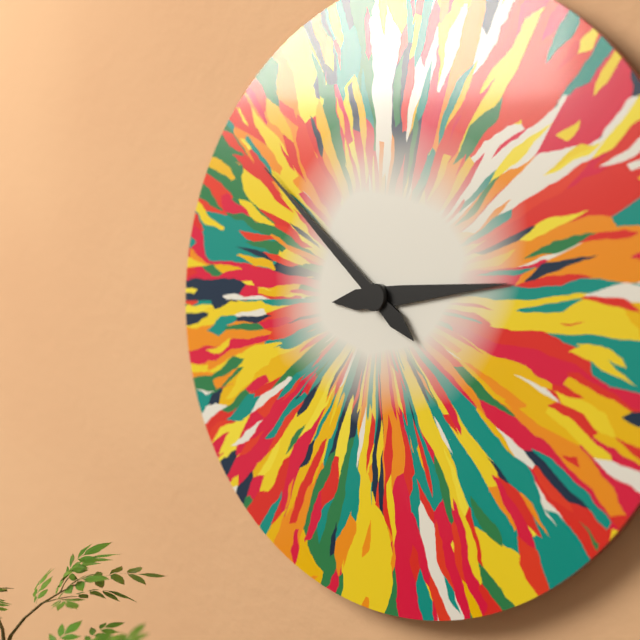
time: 2:52
